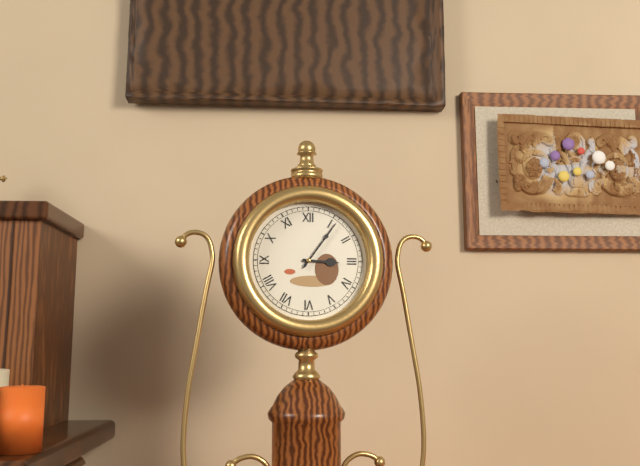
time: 3:06
